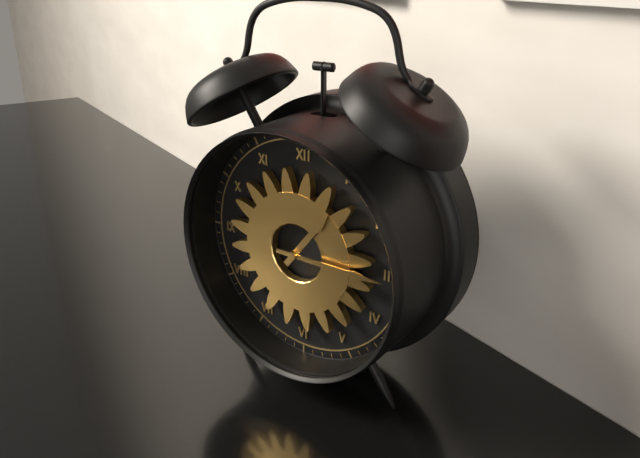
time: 1:15
